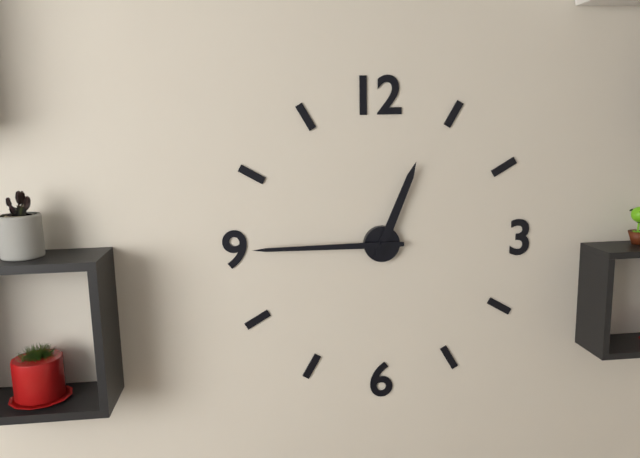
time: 12:45
